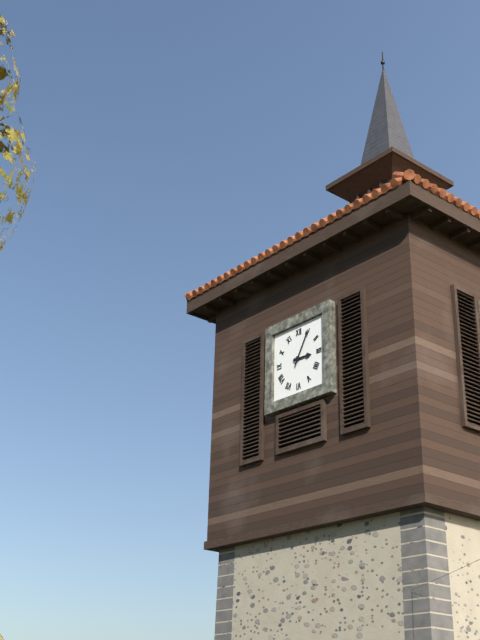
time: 3:05
